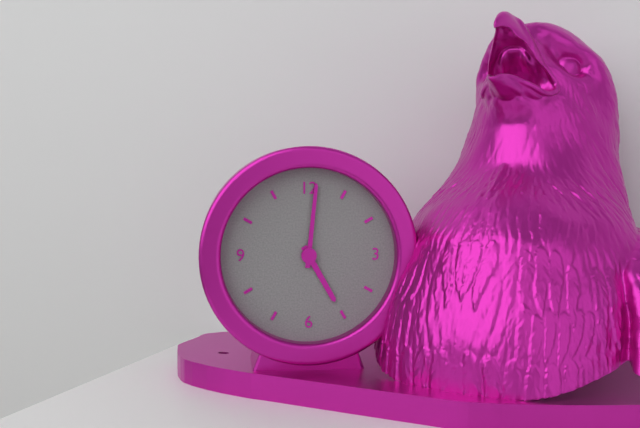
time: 5:01
